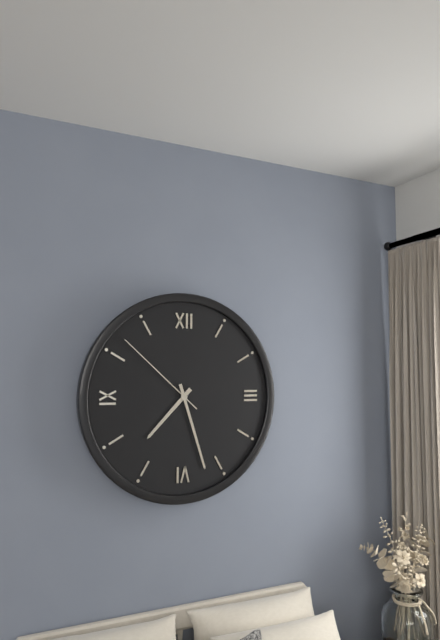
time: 7:27:52
